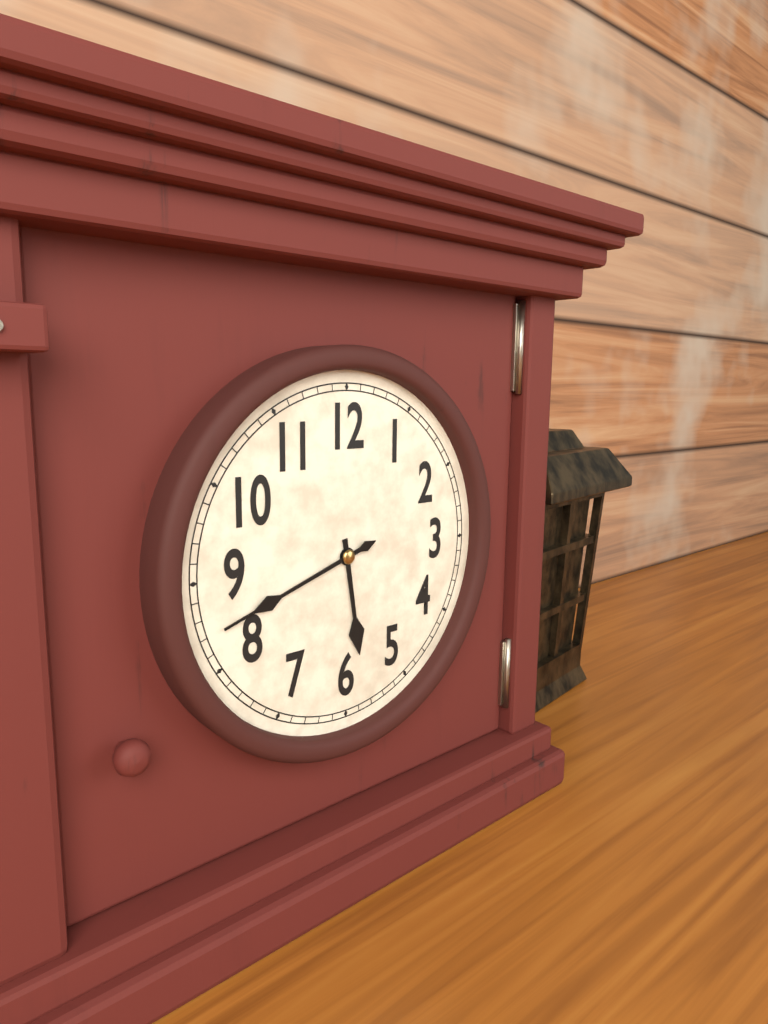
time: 5:42
